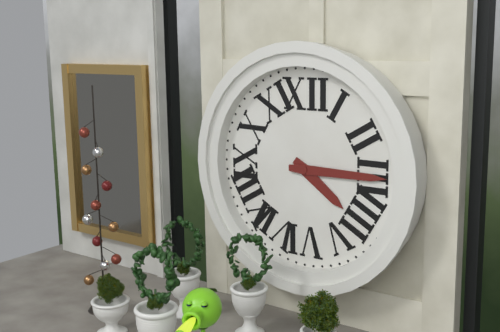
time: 4:15
